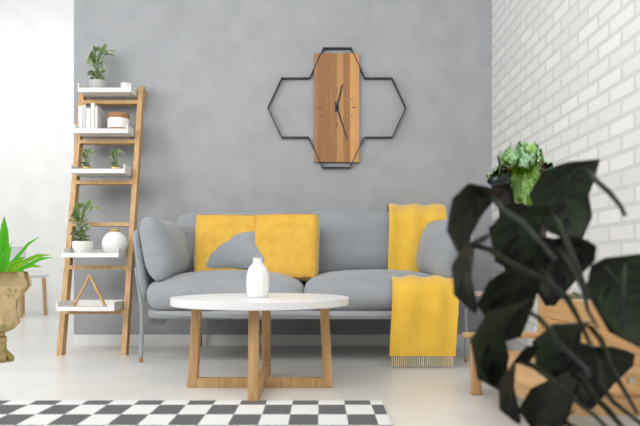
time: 12:27
